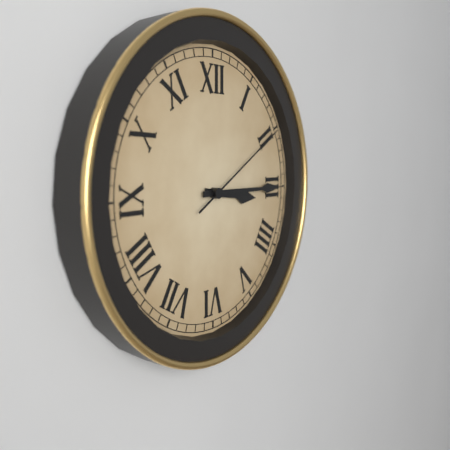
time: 3:15:10
